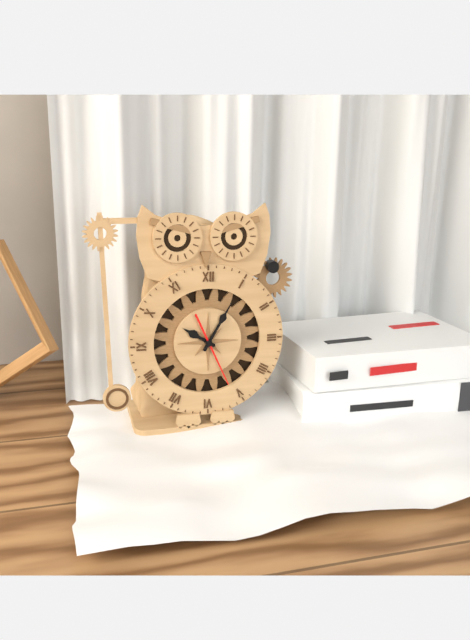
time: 10:05:26
